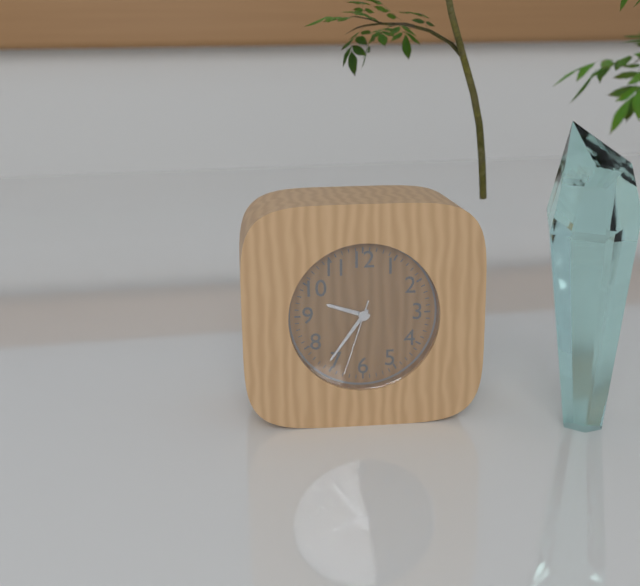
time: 9:36:33
